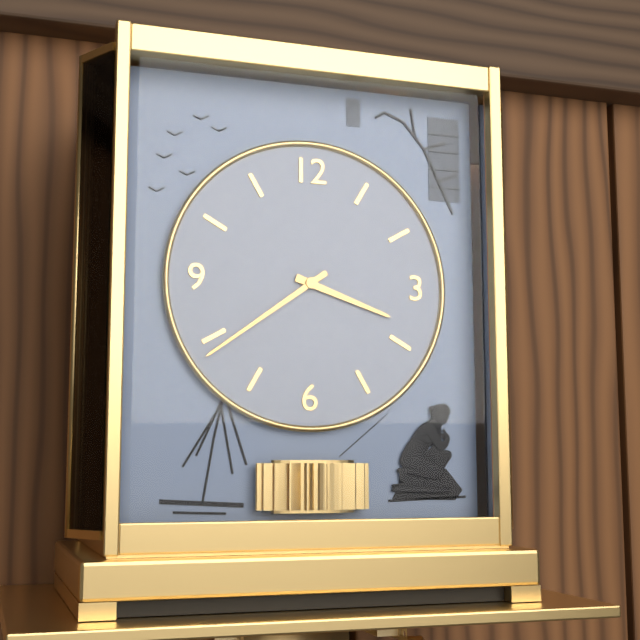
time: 3:39
